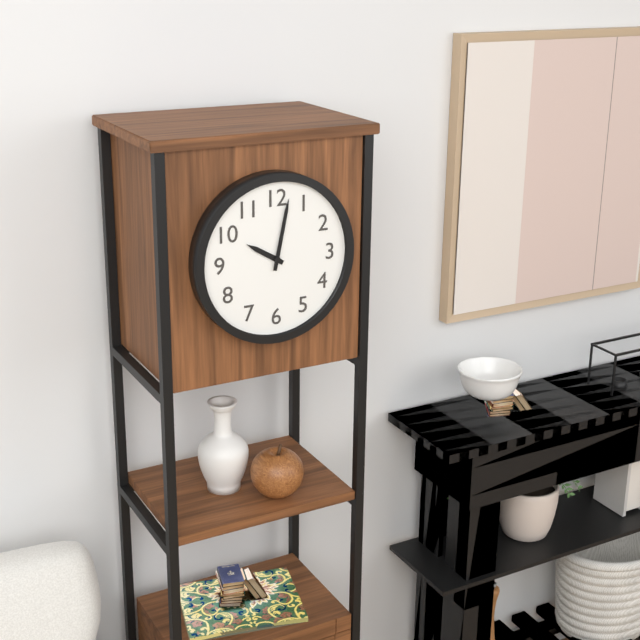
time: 10:02
